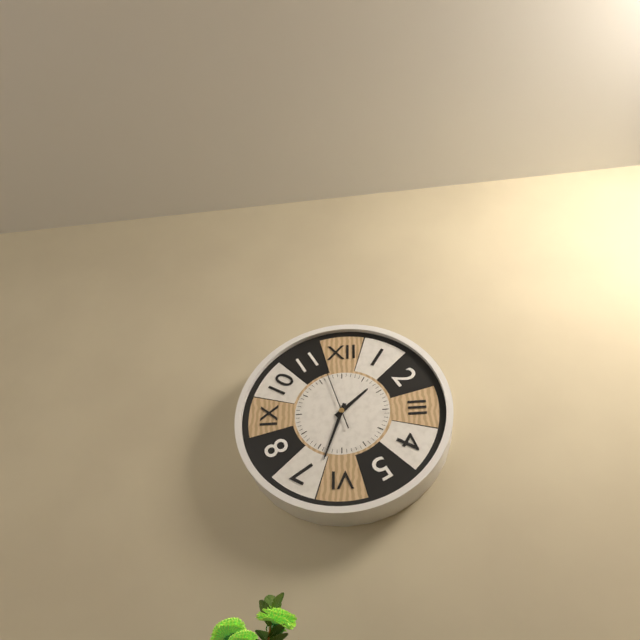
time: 1:33:57
